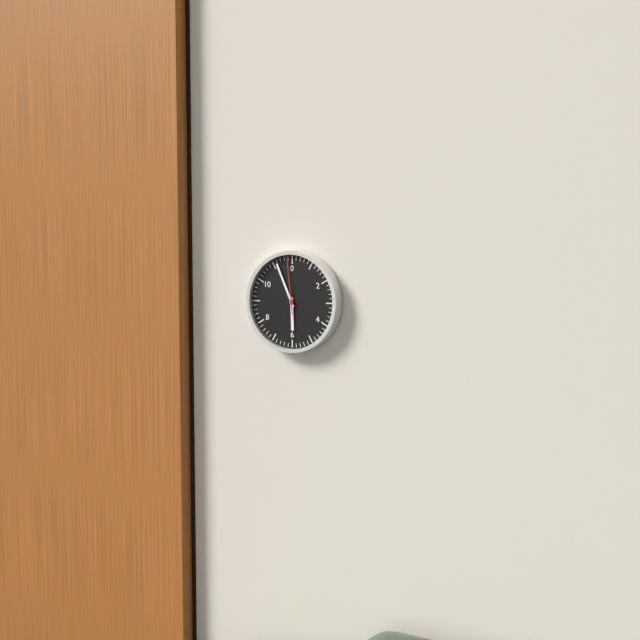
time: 5:56:59
